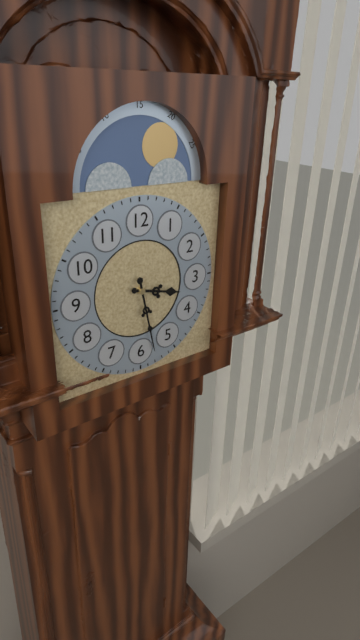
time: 3:28
